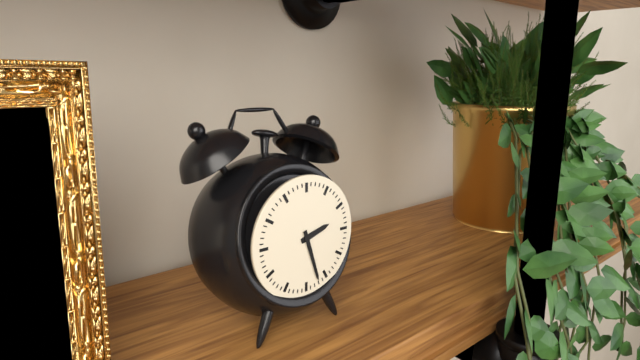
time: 2:27
